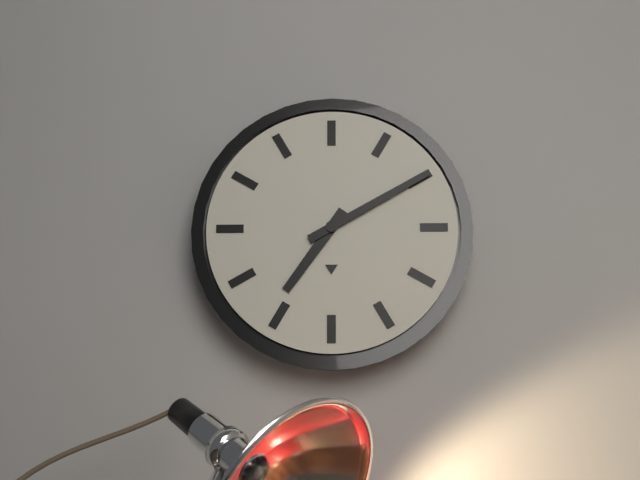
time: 7:10
